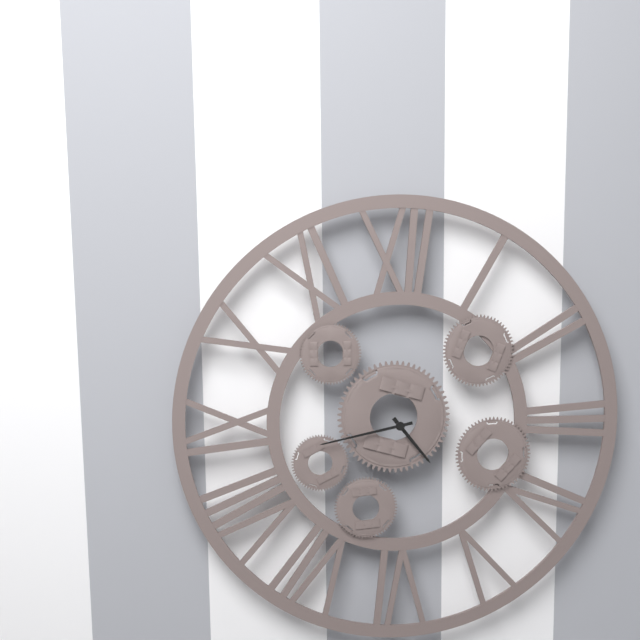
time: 4:43
